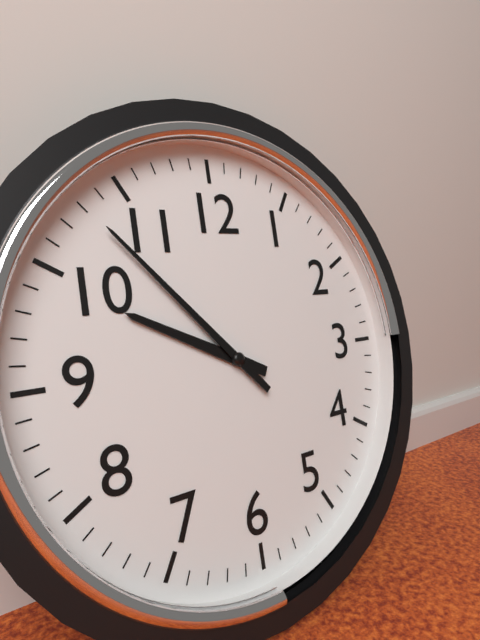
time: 9:53
